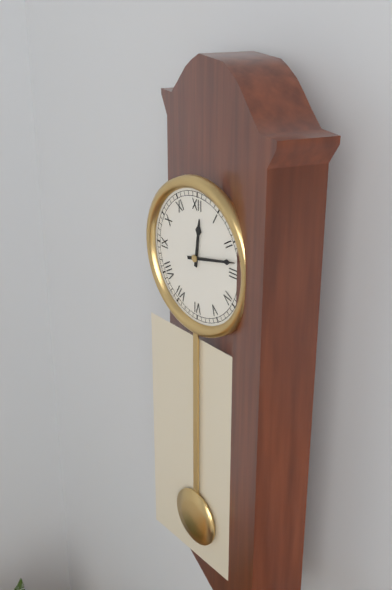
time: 12:13
